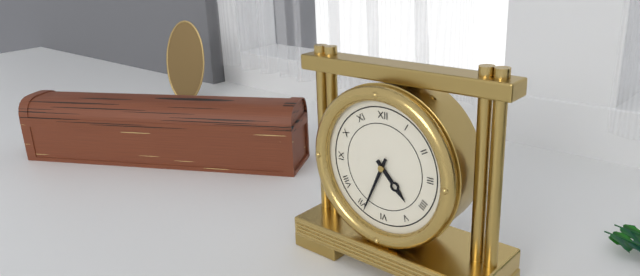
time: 4:34
